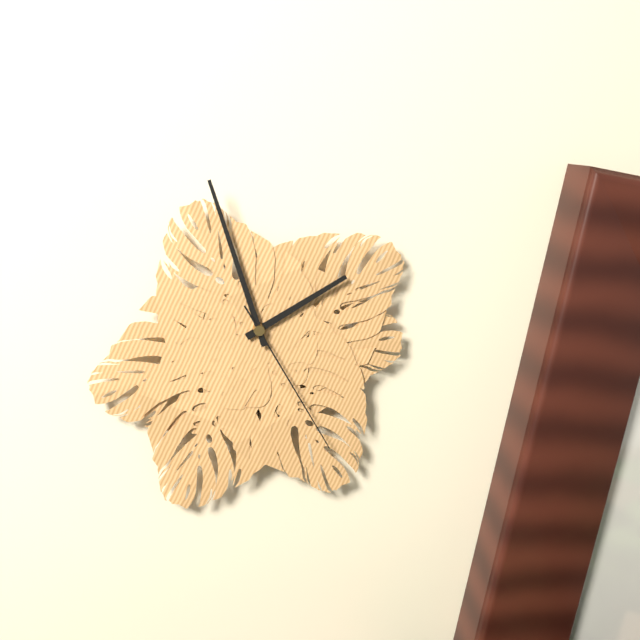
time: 1:57:25
